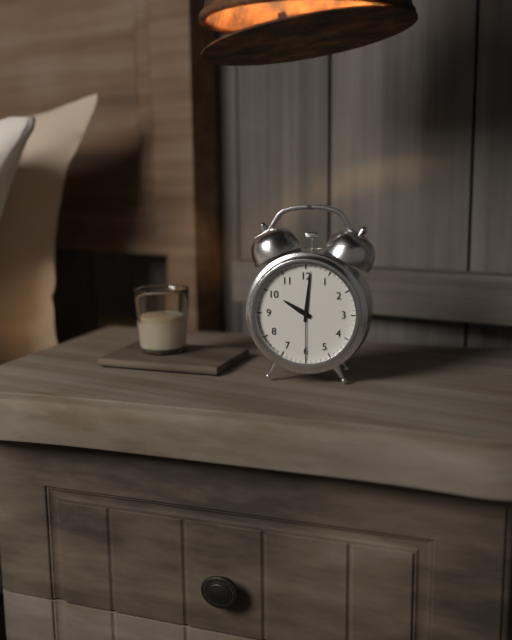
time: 10:01:30
